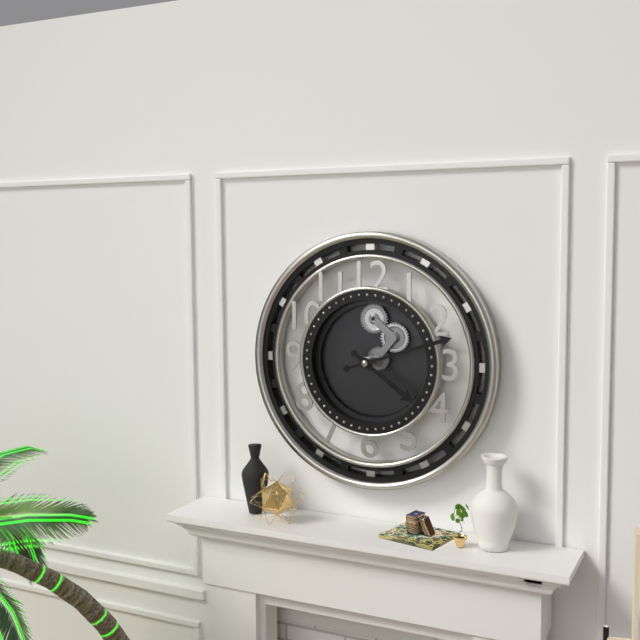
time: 4:12
